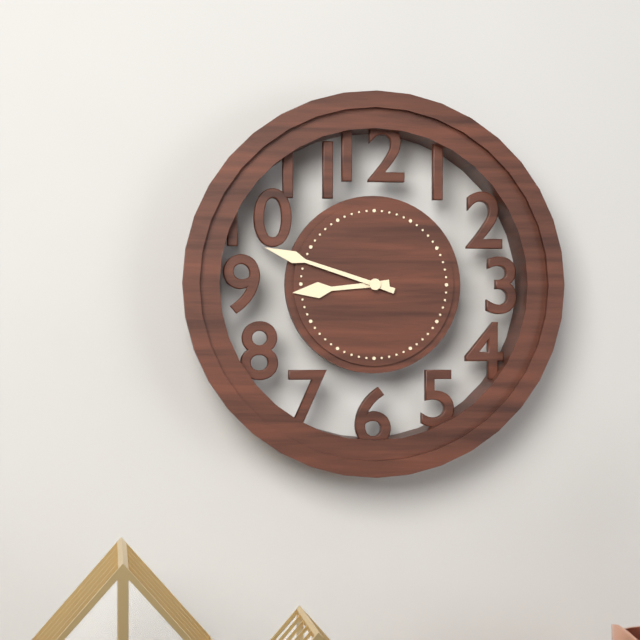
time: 8:48
